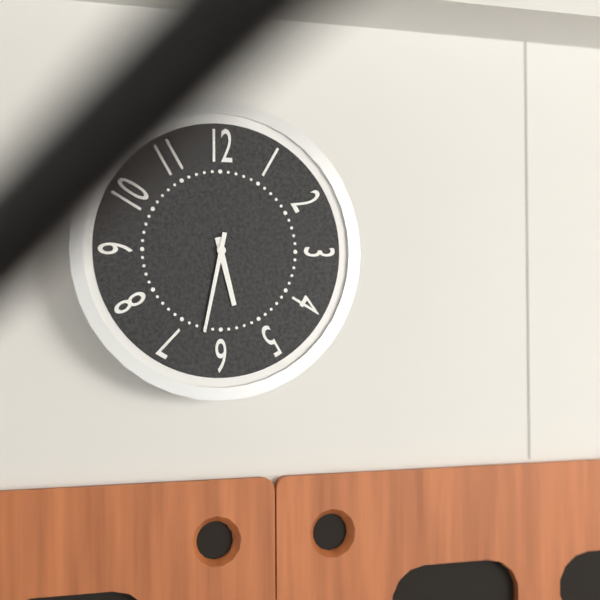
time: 5:32
